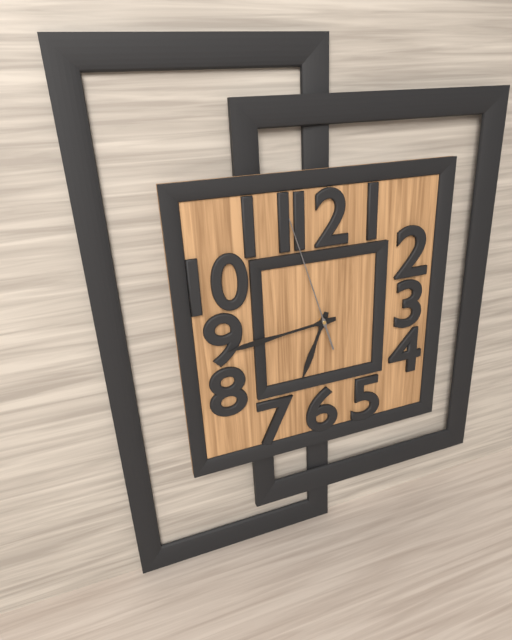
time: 6:44:57
